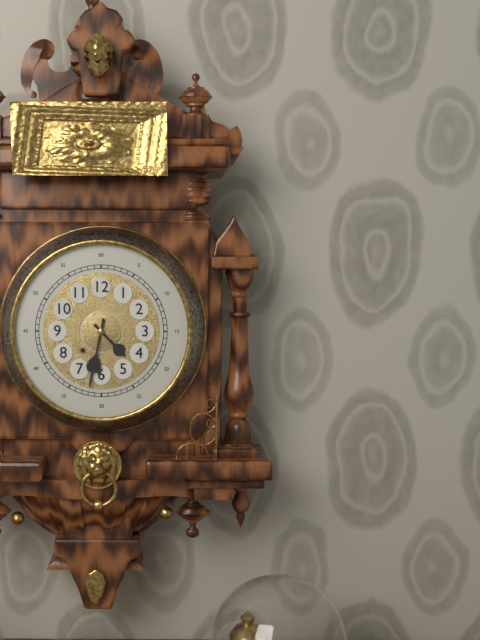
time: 4:32
